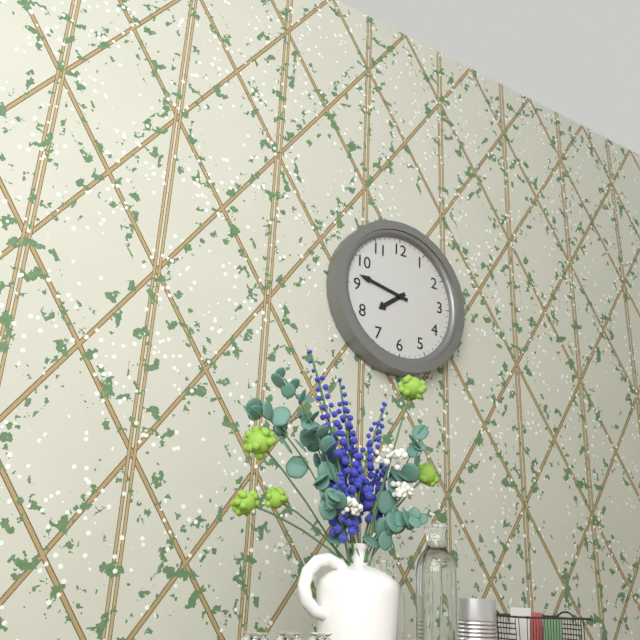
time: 7:47
